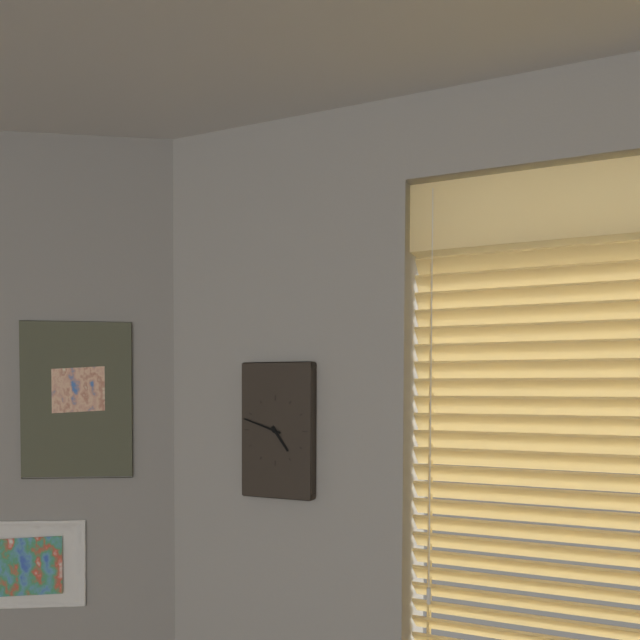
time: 4:48
